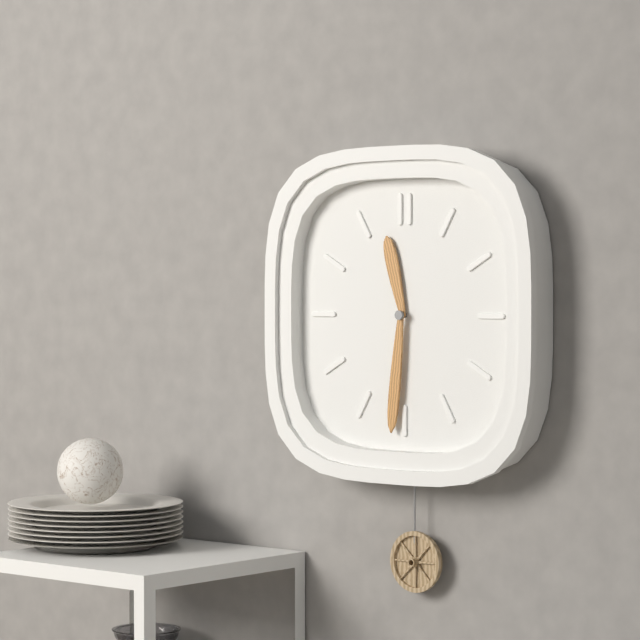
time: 11:31
